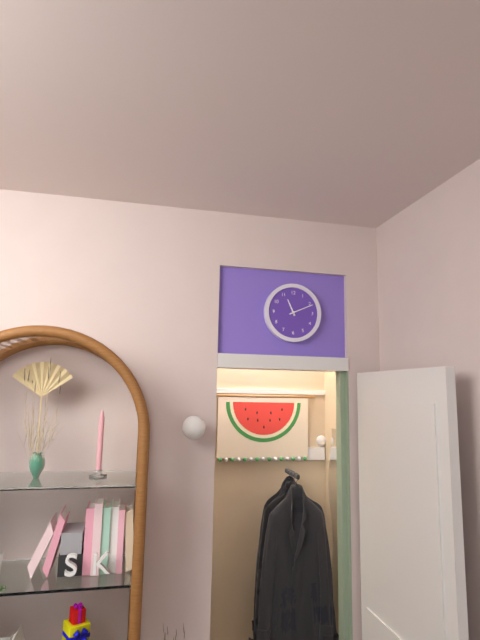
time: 11:11
